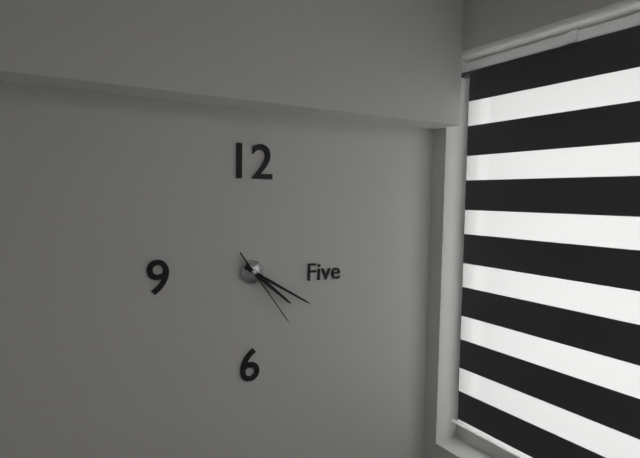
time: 4:20:24
